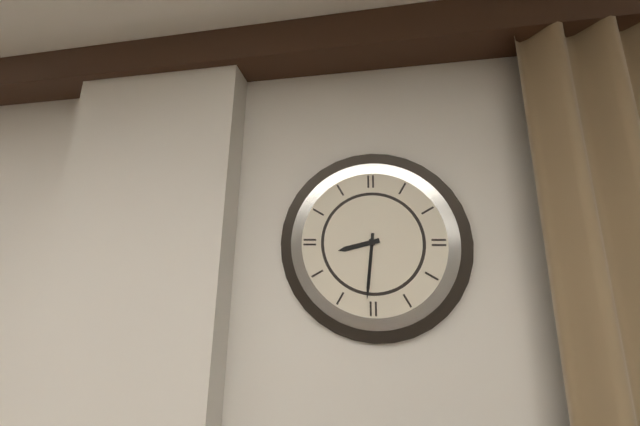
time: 8:31
